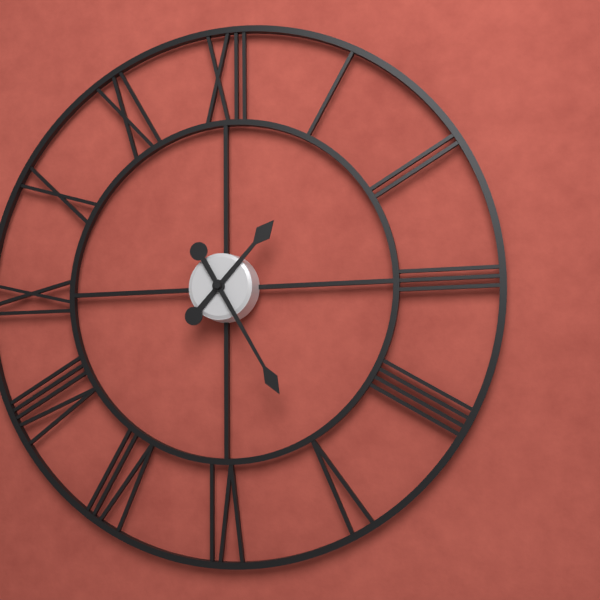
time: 1:25
